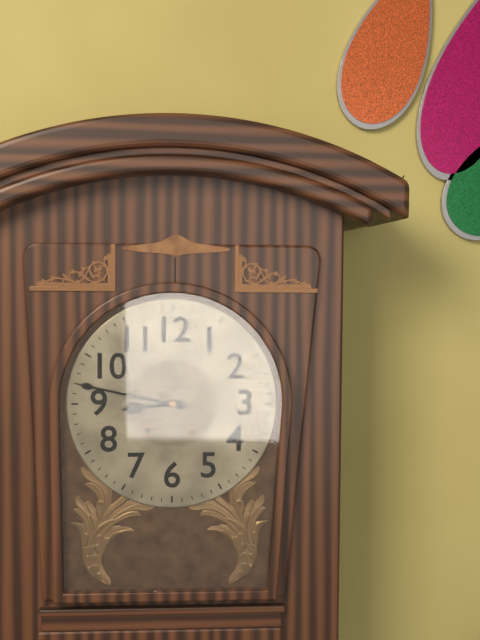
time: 8:47
